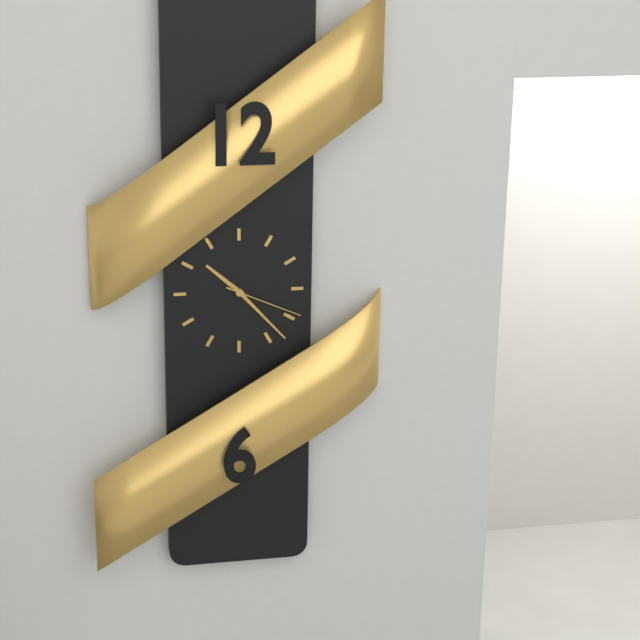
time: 10:23:19
